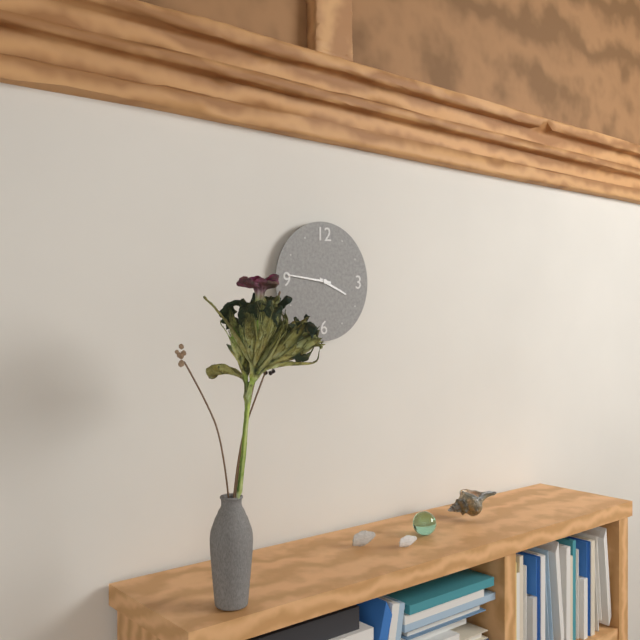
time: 3:46
